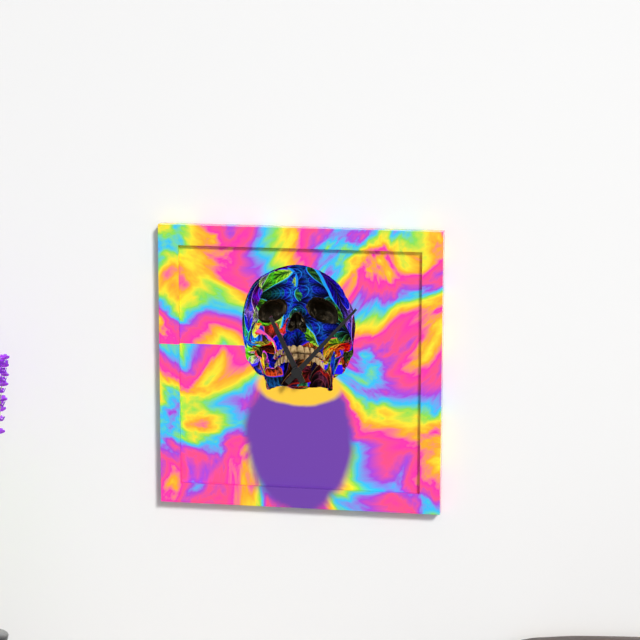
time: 11:07
